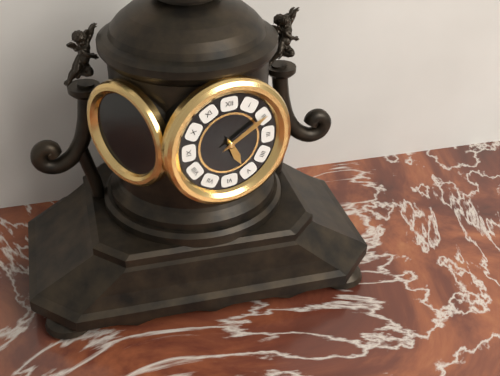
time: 5:10
